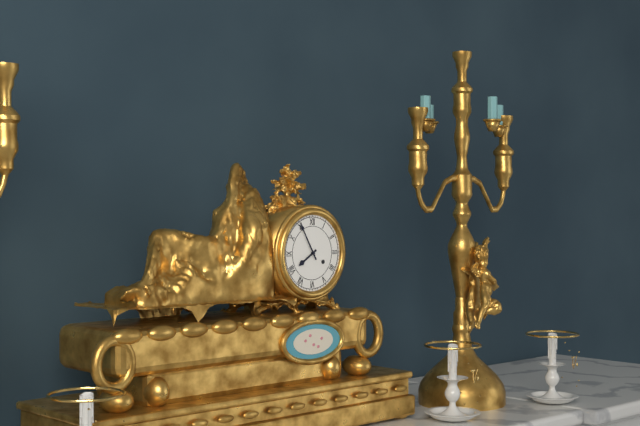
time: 7:55
